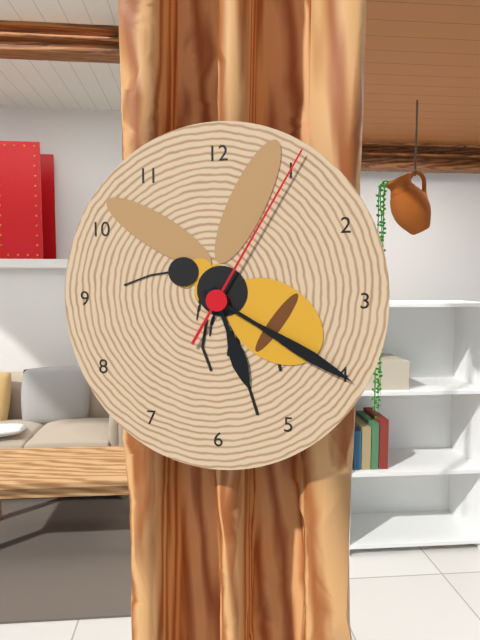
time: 5:20:05
